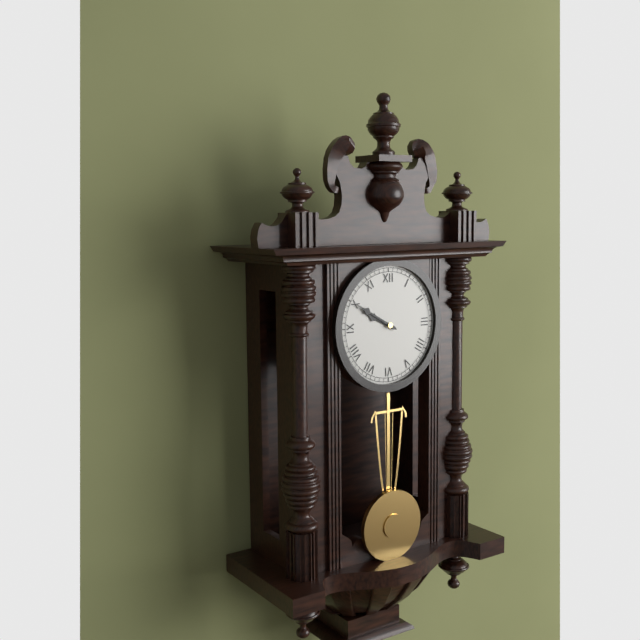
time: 9:50
